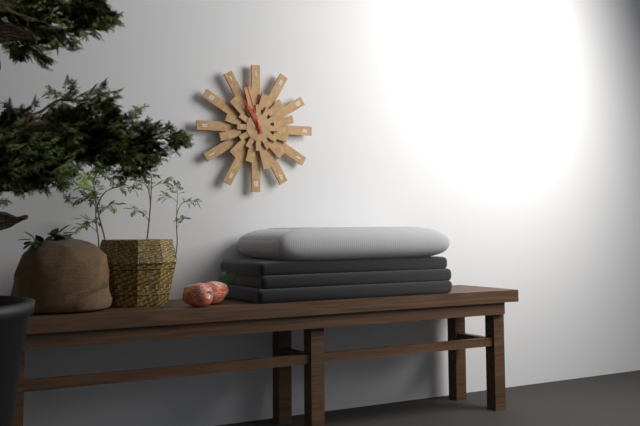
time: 10:57
